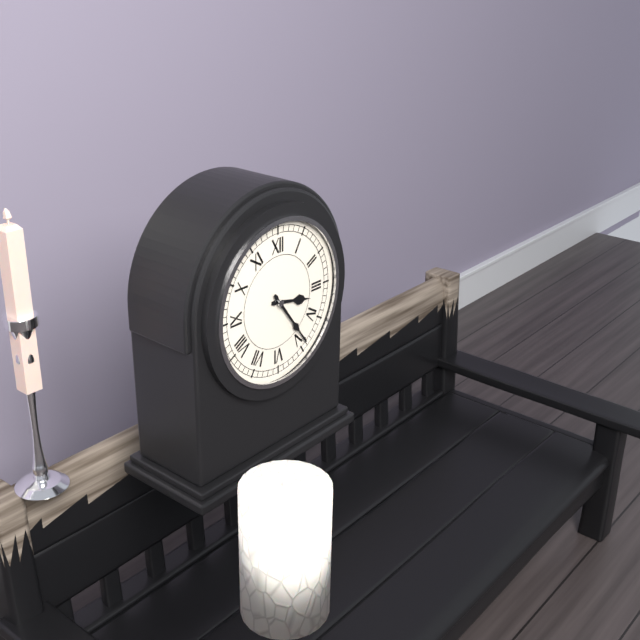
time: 3:24
